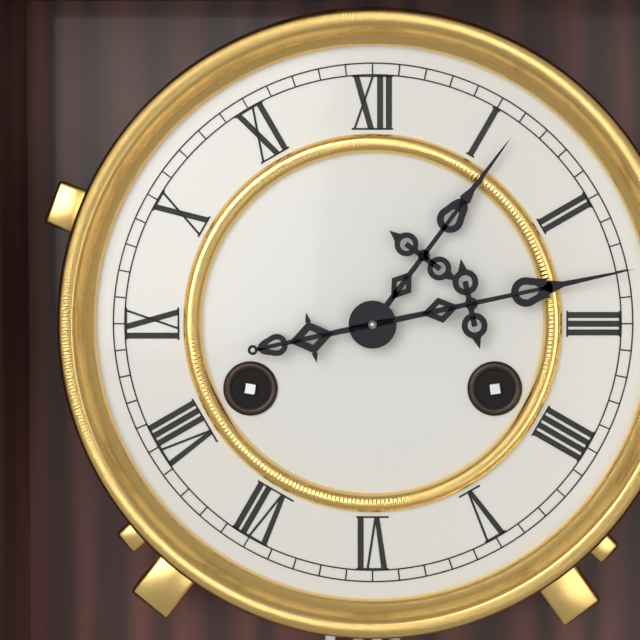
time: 1:13
